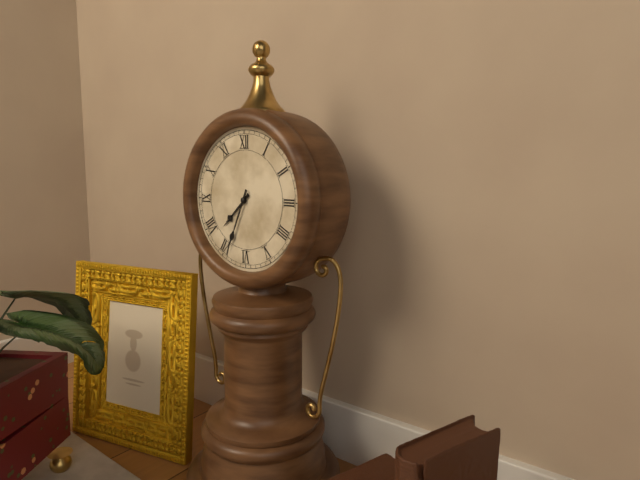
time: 7:34
